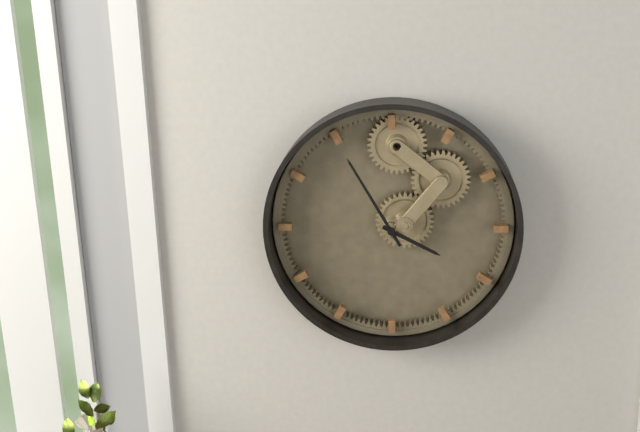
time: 3:55
